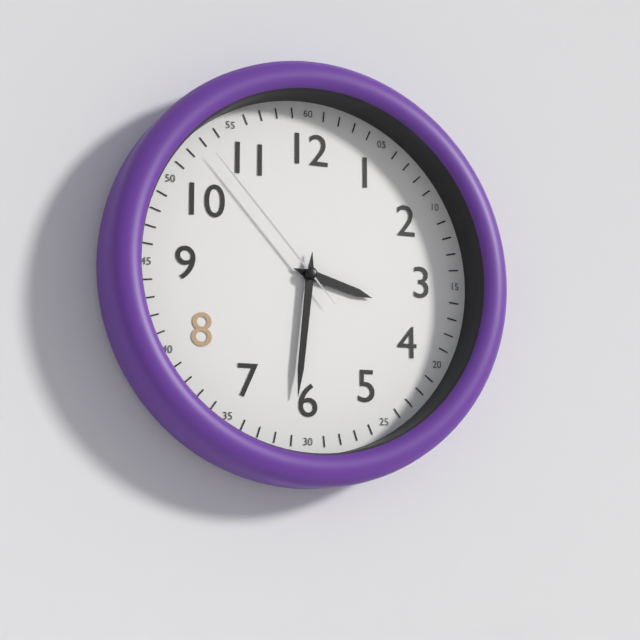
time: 3:31:53
